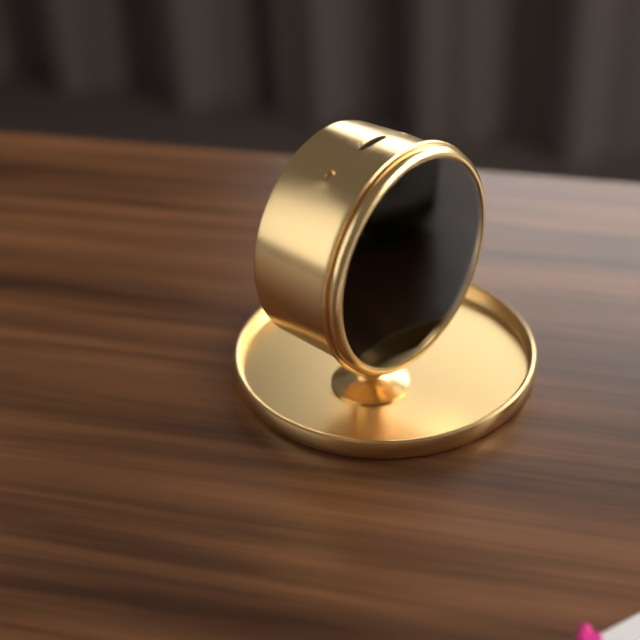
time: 1:08:07
